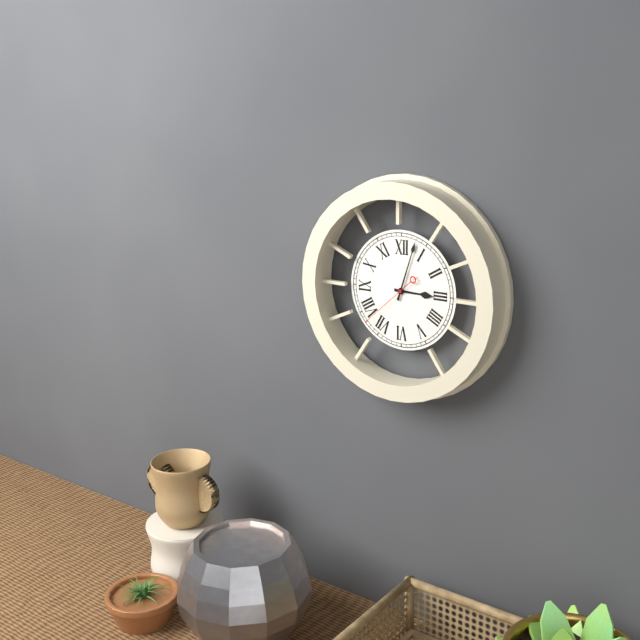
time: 3:03:38
